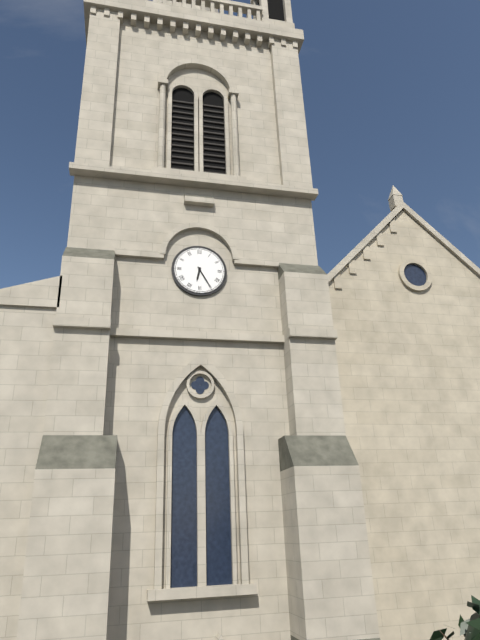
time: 6:25
